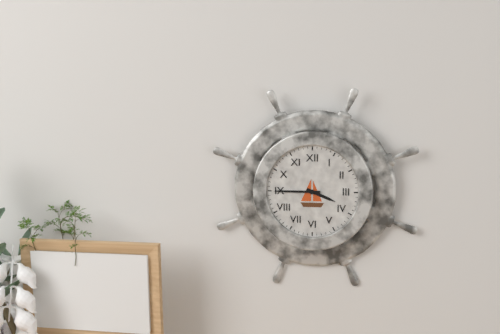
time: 3:45
